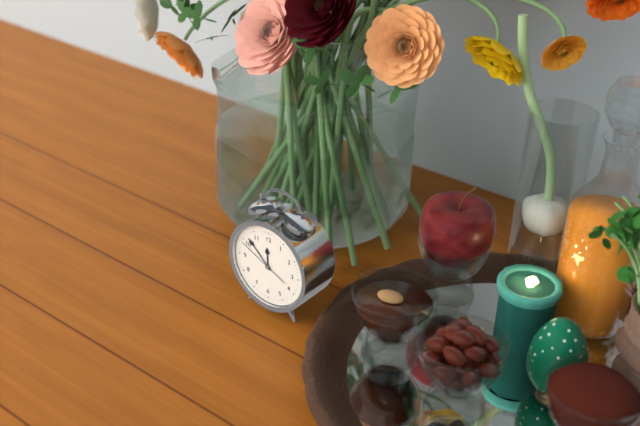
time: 11:52
